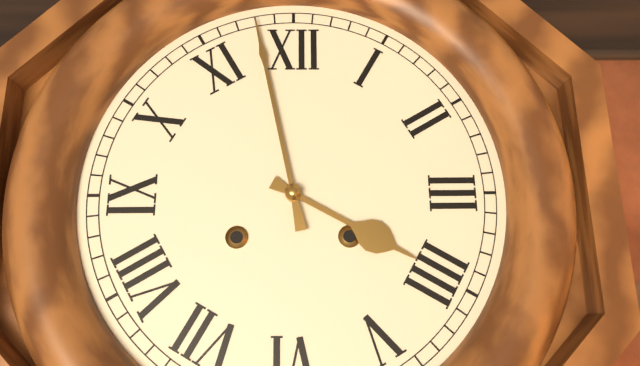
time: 3:58
